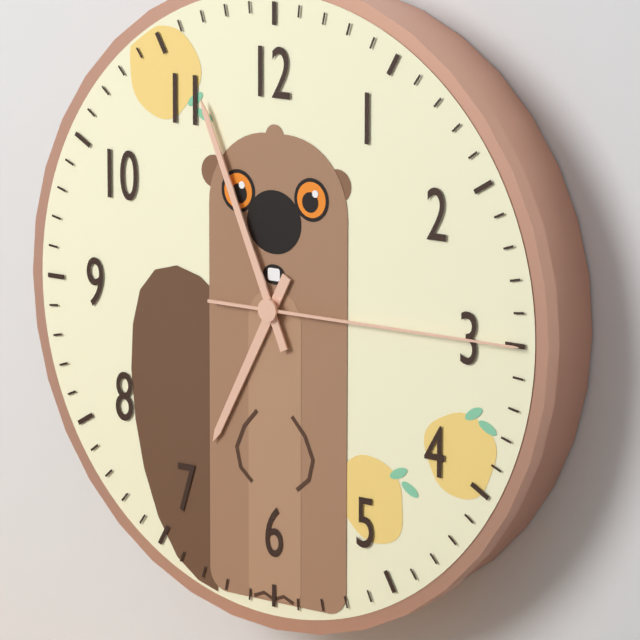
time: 6:56:15
